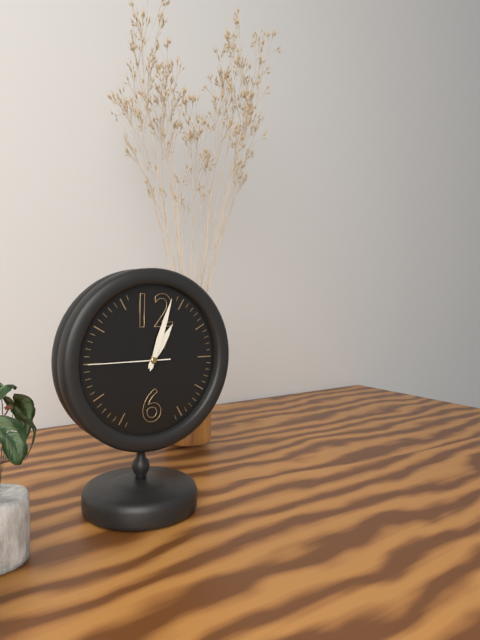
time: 1:03:45
